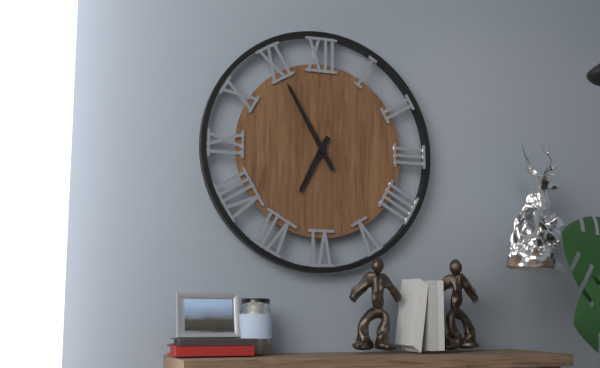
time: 6:55
